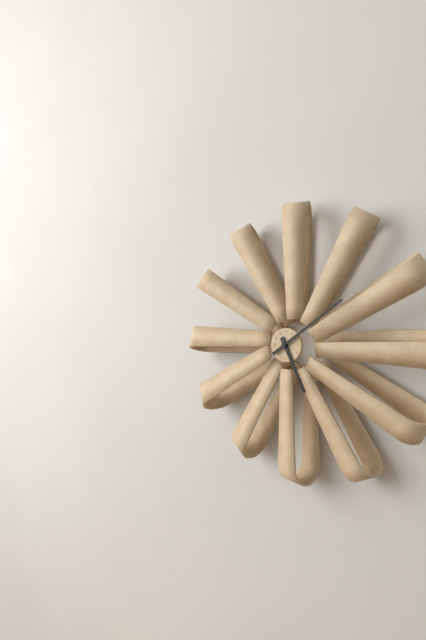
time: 5:09
